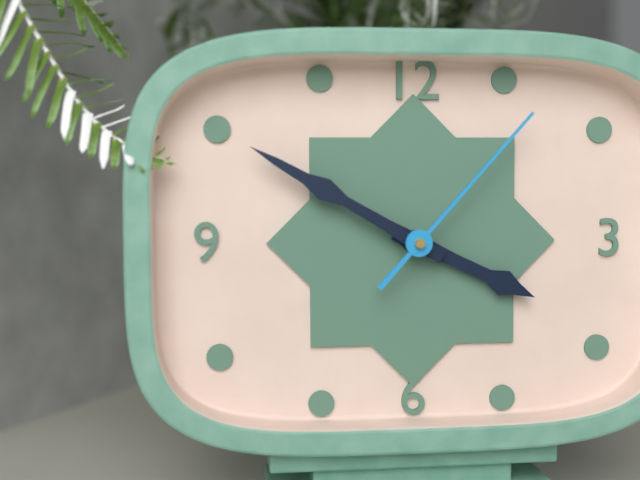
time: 3:50:07
